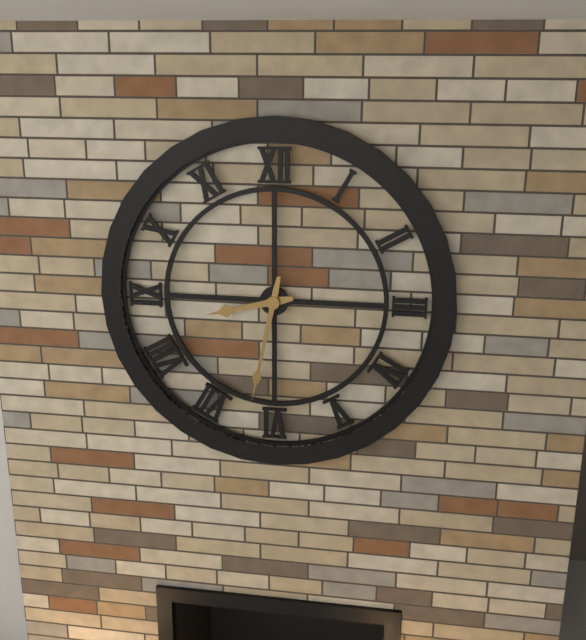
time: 8:32
